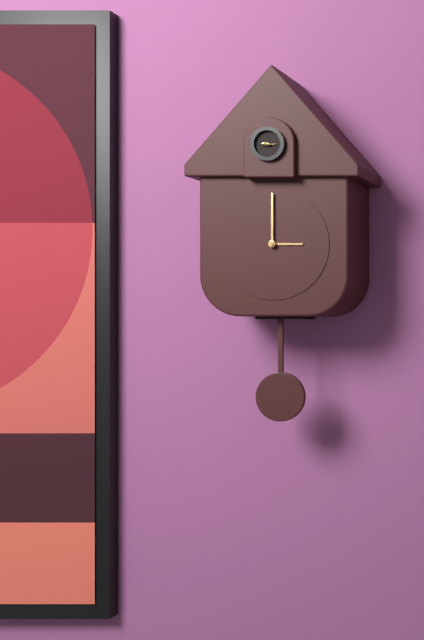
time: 3:00
